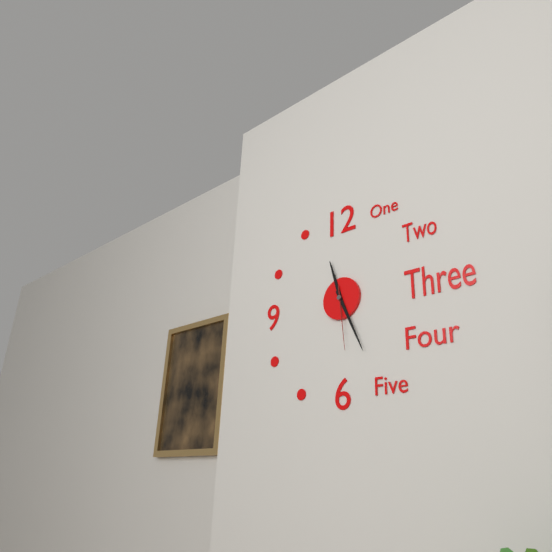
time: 11:26:29
